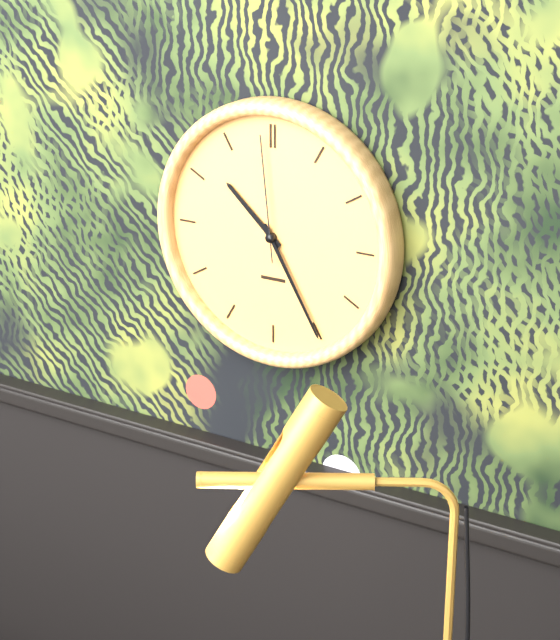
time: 10:25:59
